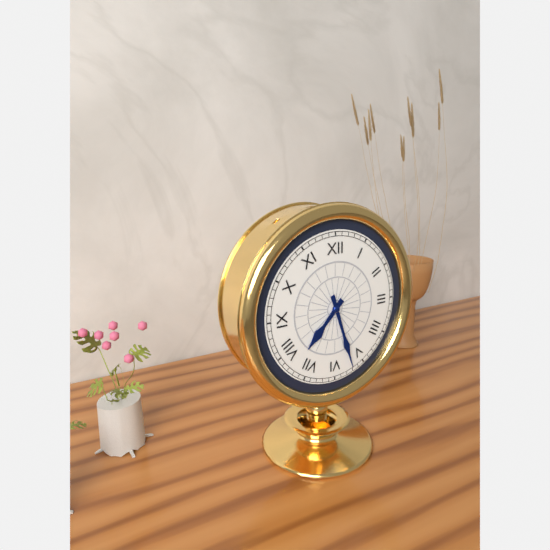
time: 7:27
